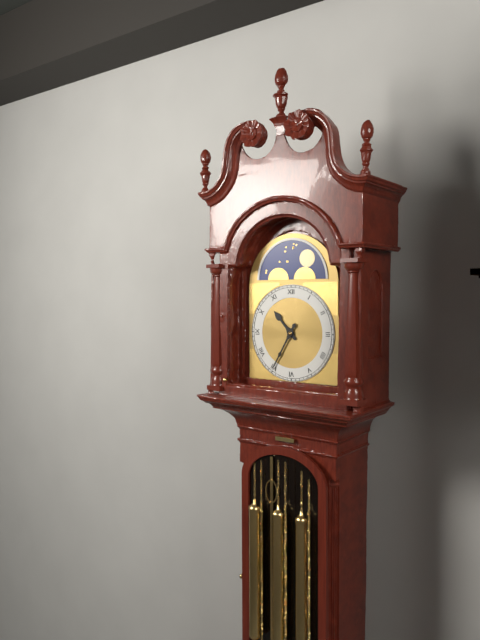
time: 10:35
